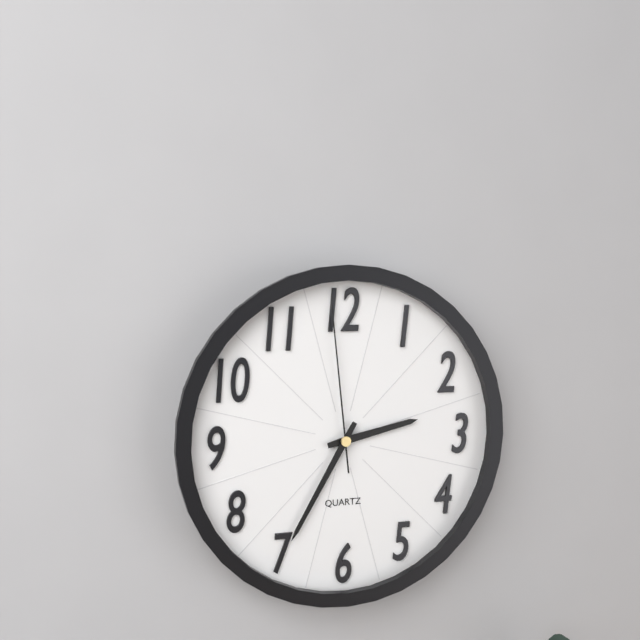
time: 2:35:59
